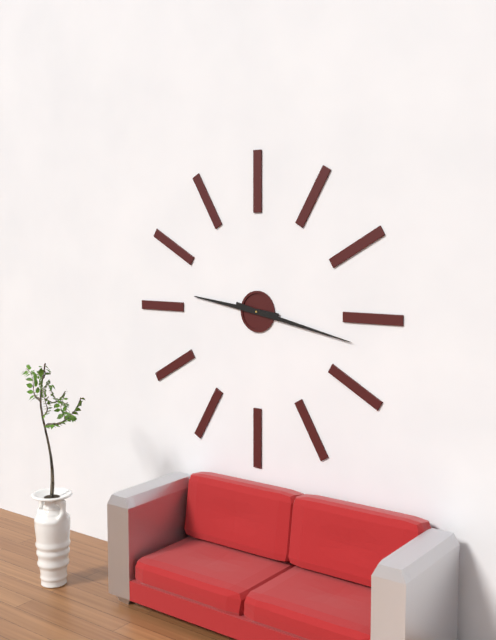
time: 9:17
